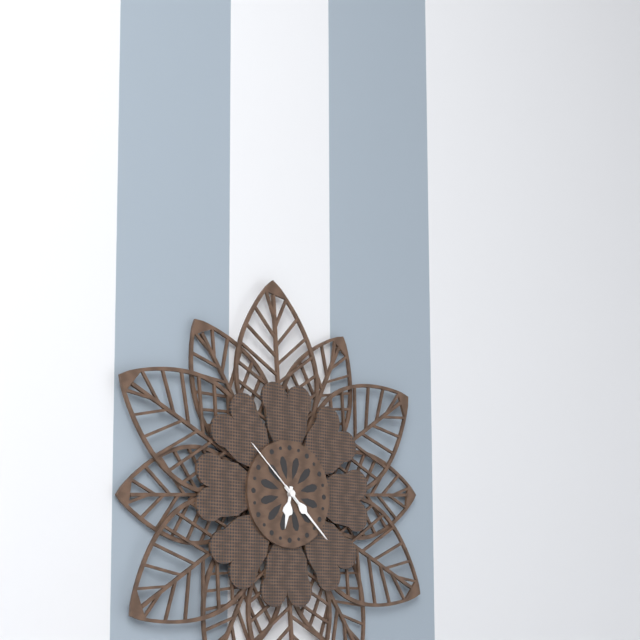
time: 6:22:52
